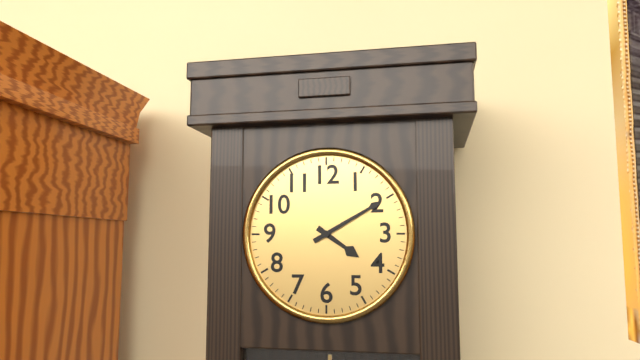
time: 4:10
